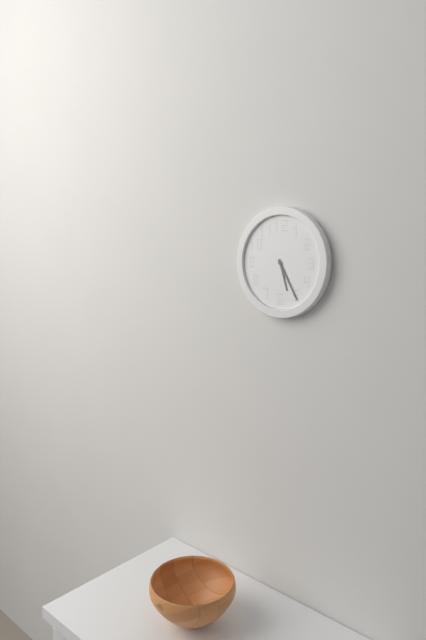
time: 5:25
